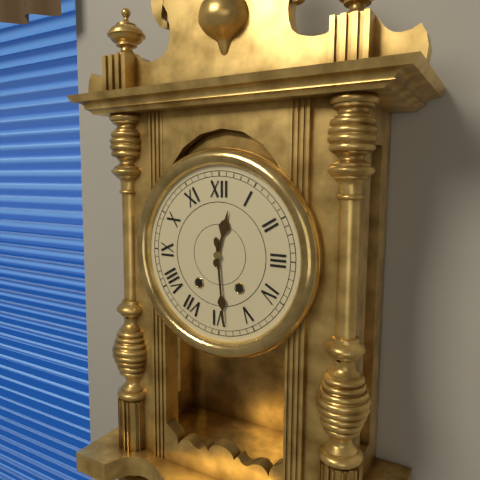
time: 12:29
